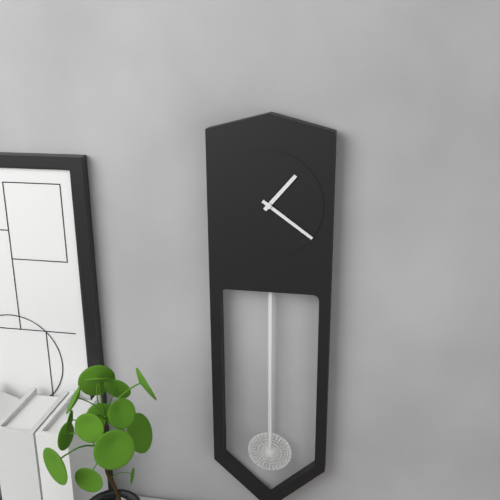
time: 1:21
